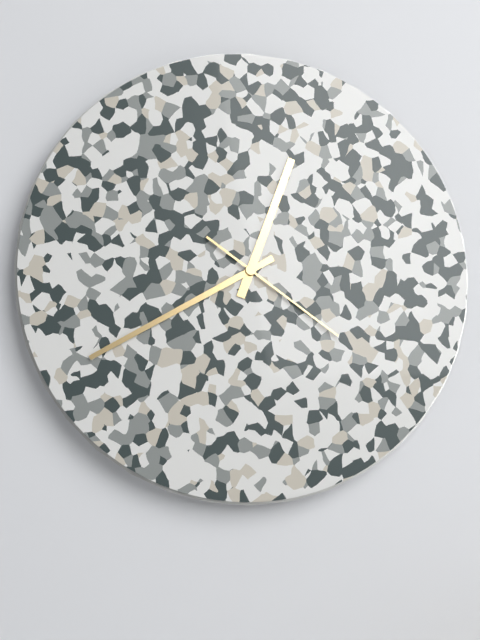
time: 12:40:21
